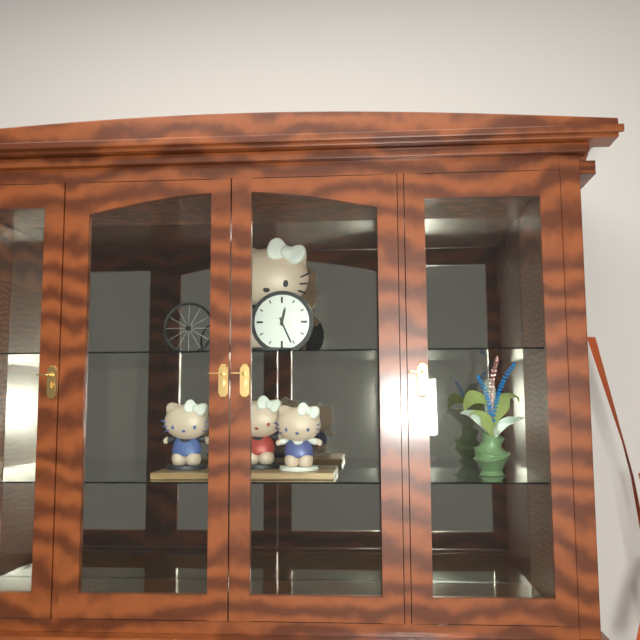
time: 12:26
